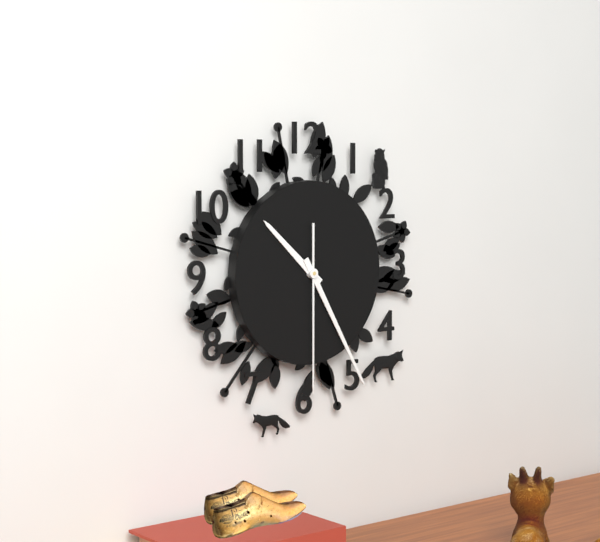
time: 10:25:30
